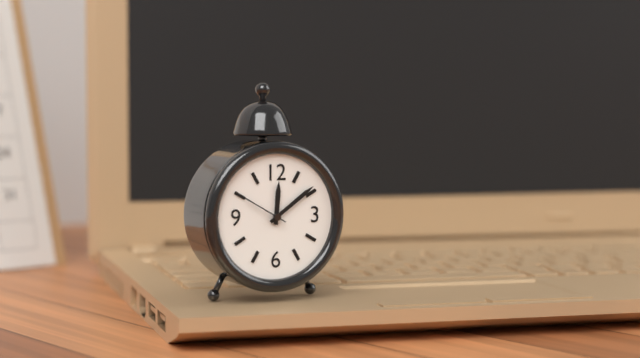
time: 12:09
